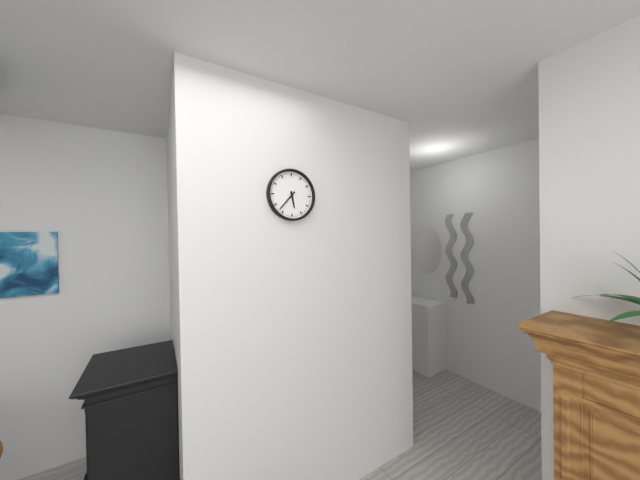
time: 5:37
